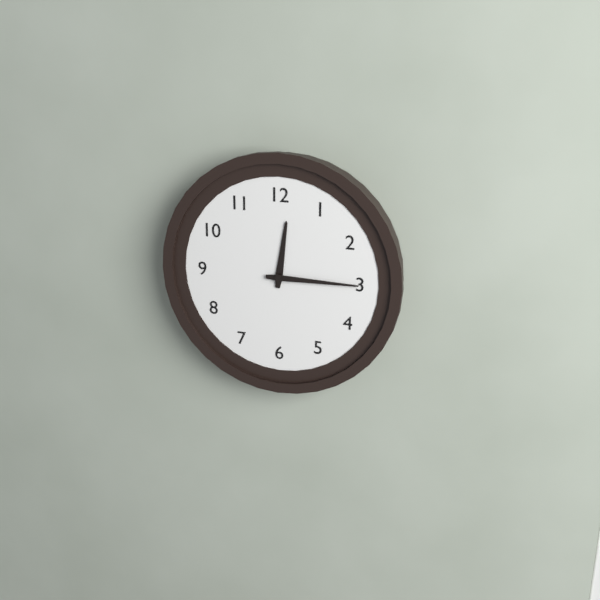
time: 12:15
